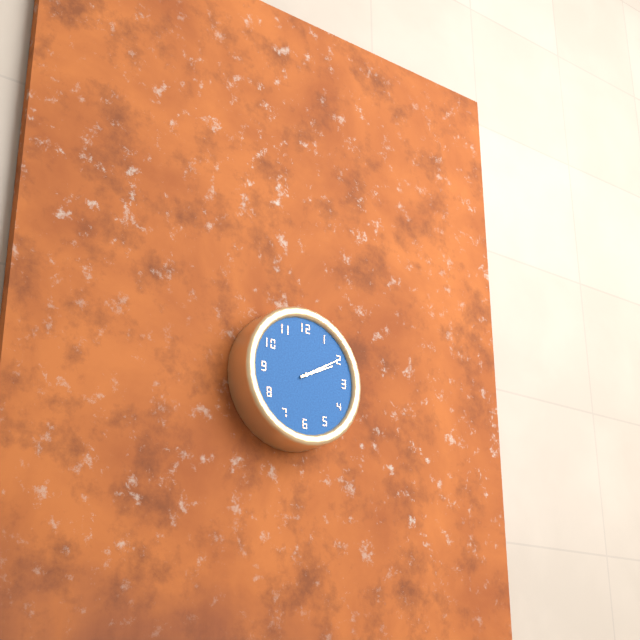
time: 2:10
